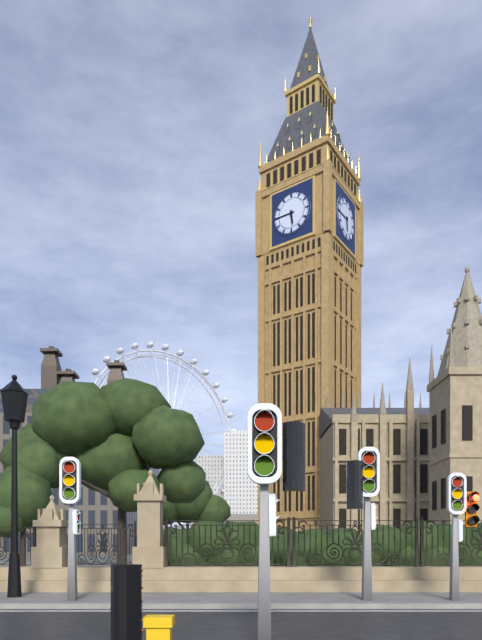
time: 5:45
